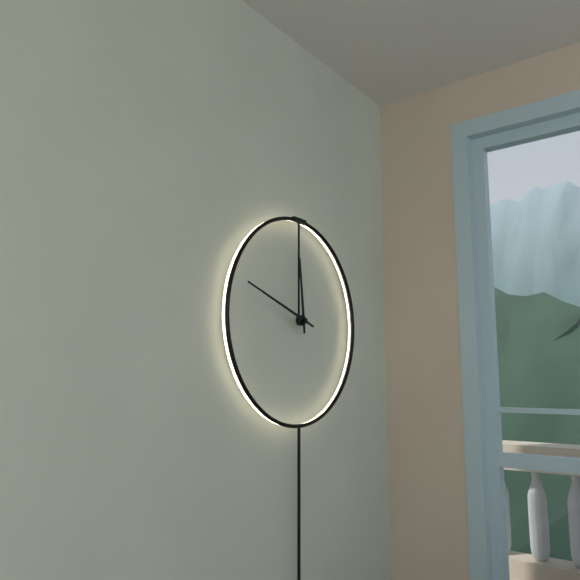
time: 11:48
